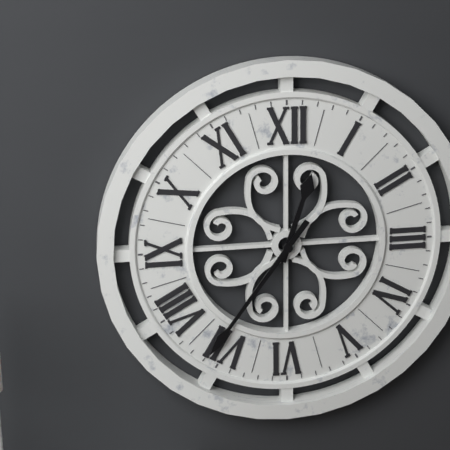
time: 12:36
